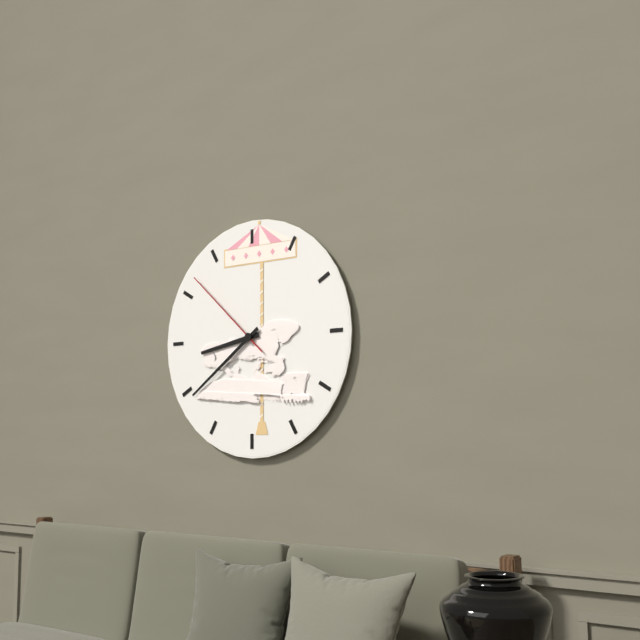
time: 8:39:52
